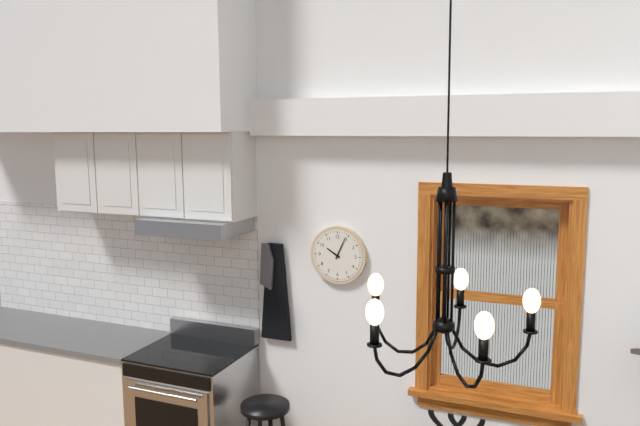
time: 10:04
